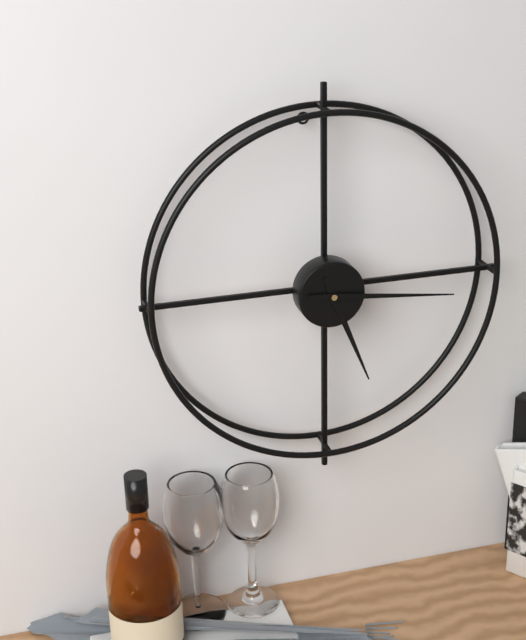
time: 5:16
